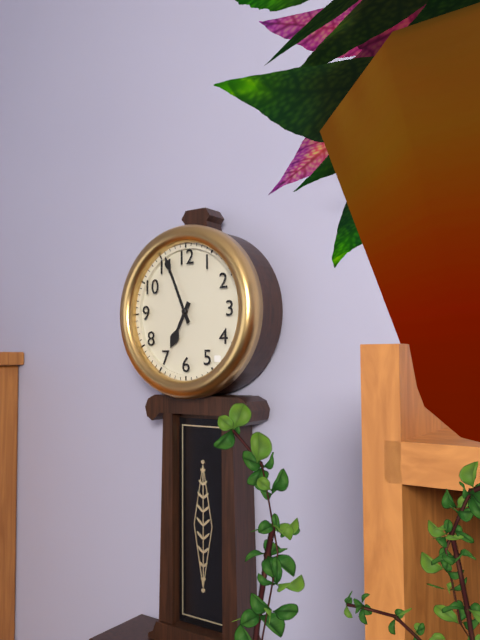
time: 6:56
